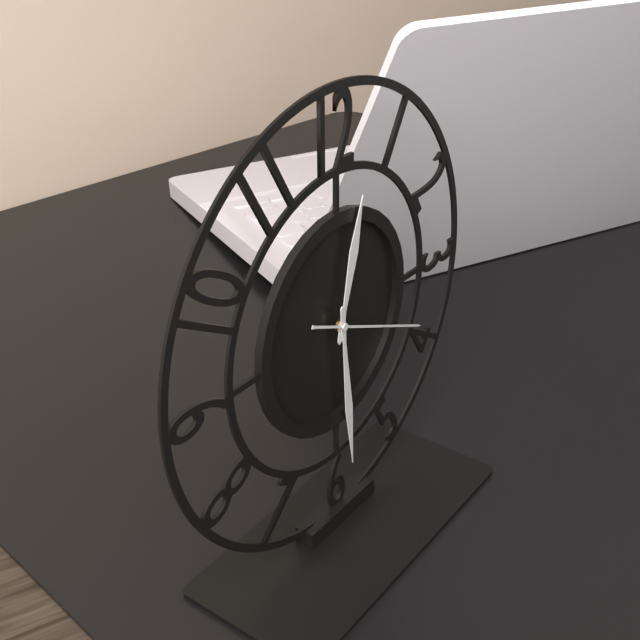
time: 12:29:19
